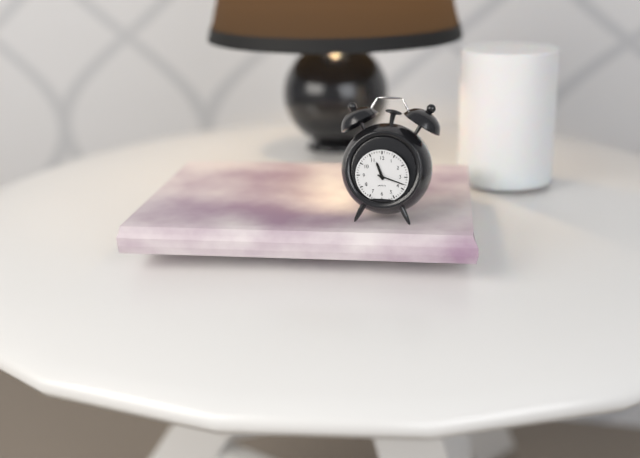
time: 11:18
